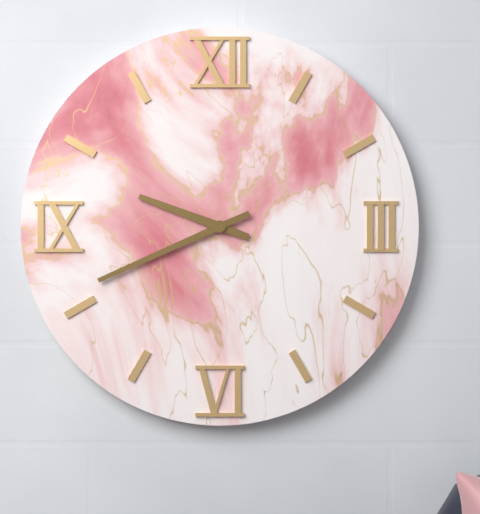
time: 9:41
